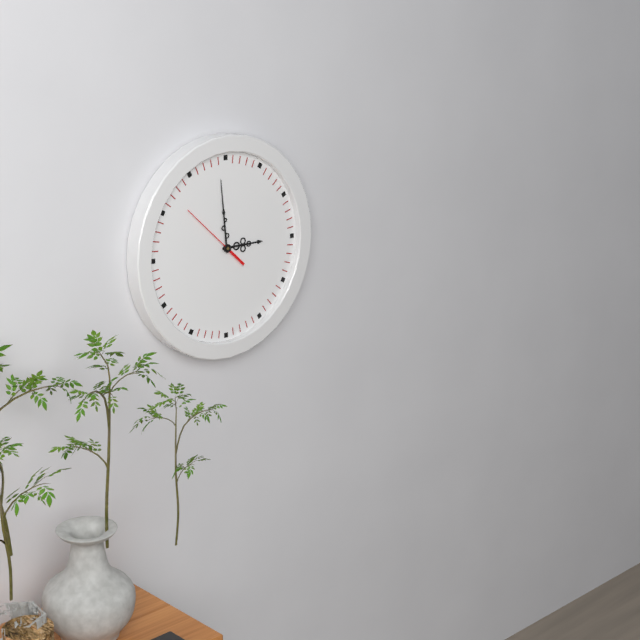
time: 2:59:52
